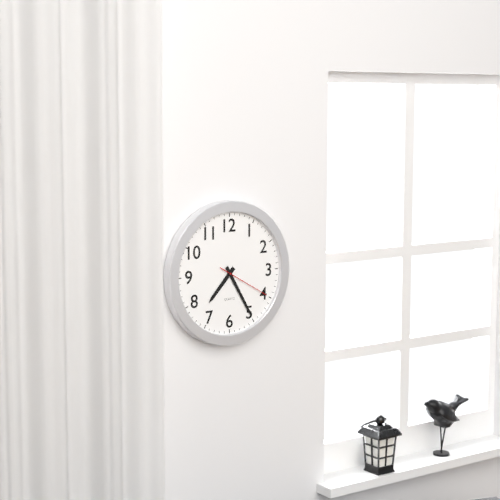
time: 7:25:20
